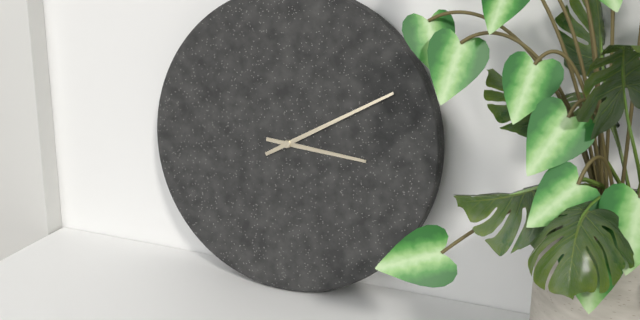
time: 3:10
